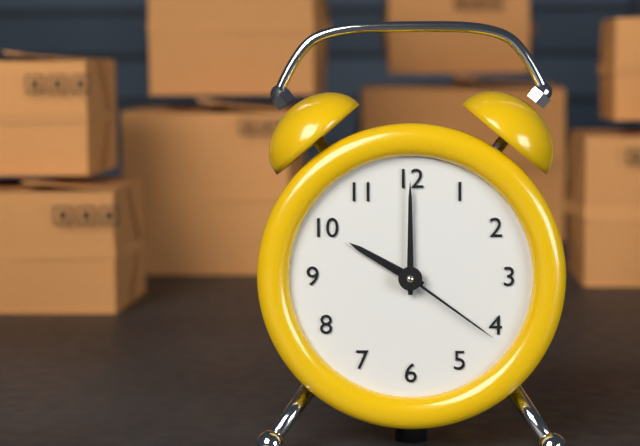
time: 10:00:21
